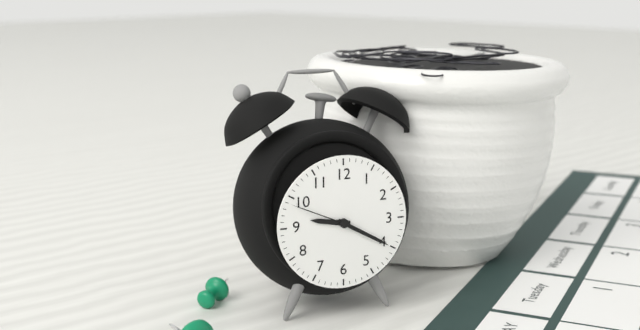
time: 9:20:49
